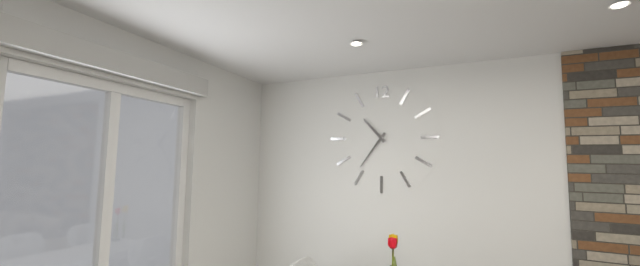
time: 10:36
